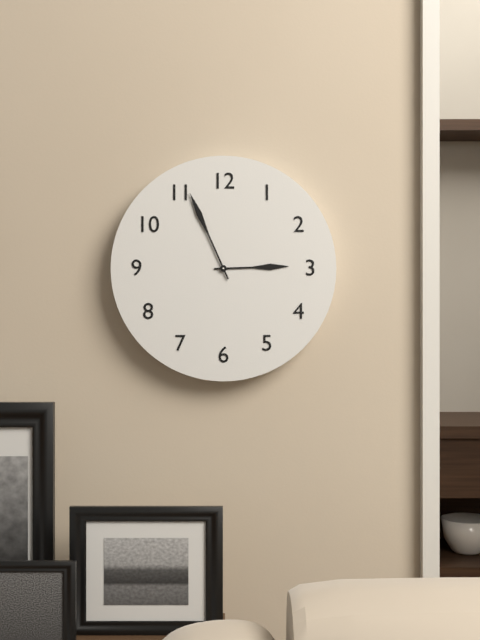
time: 2:56
